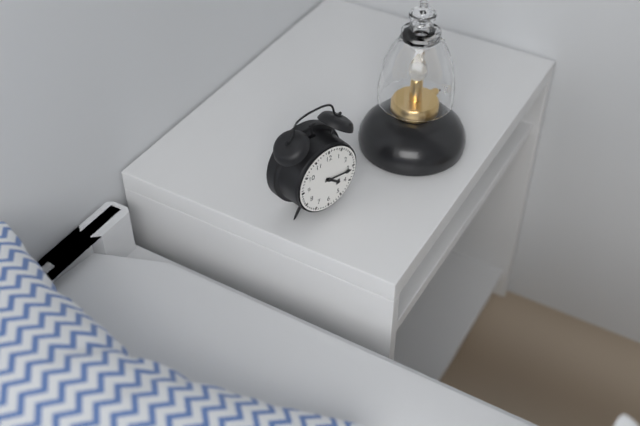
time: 4:16
